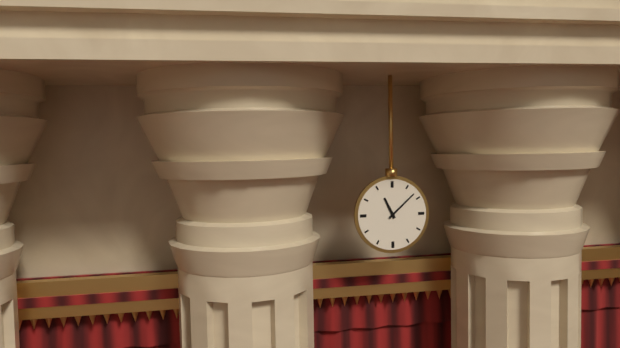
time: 11:08
